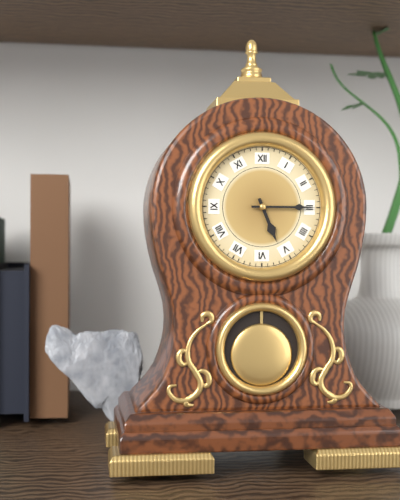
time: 5:15
